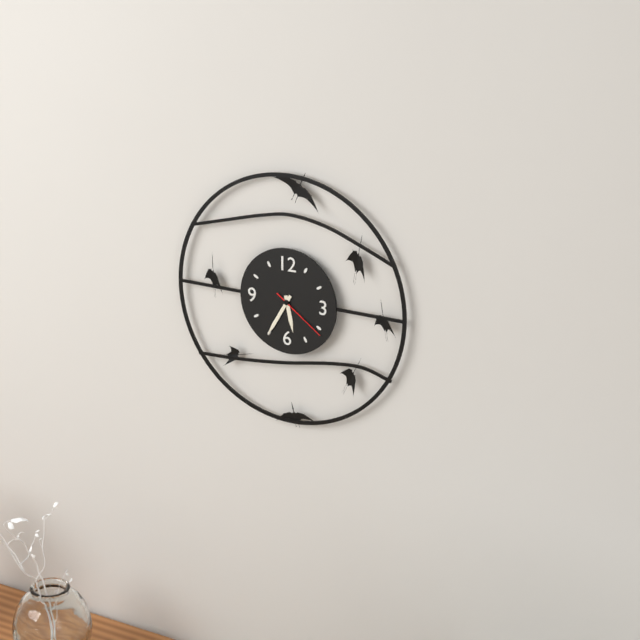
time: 5:35:21
